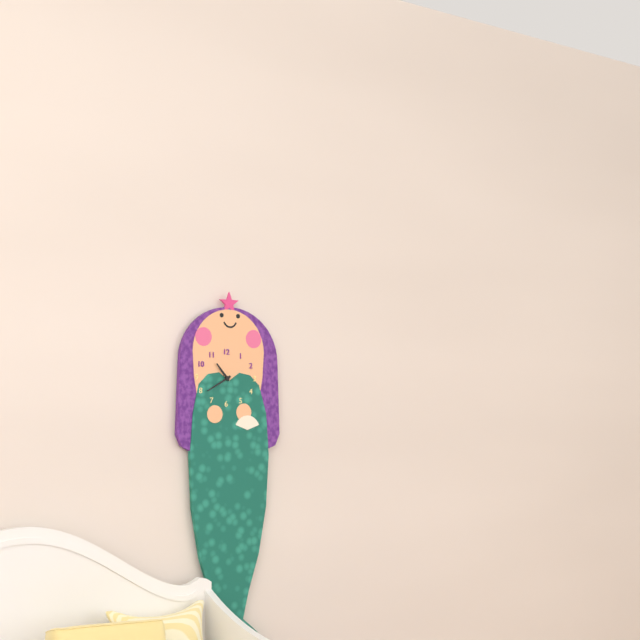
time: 10:40
